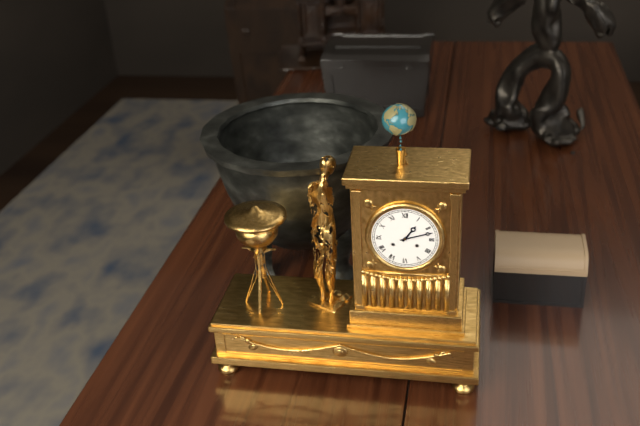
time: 1:12
